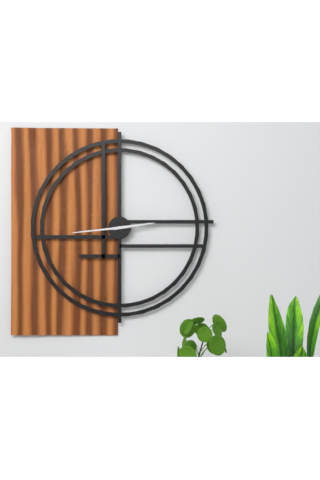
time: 2:44
